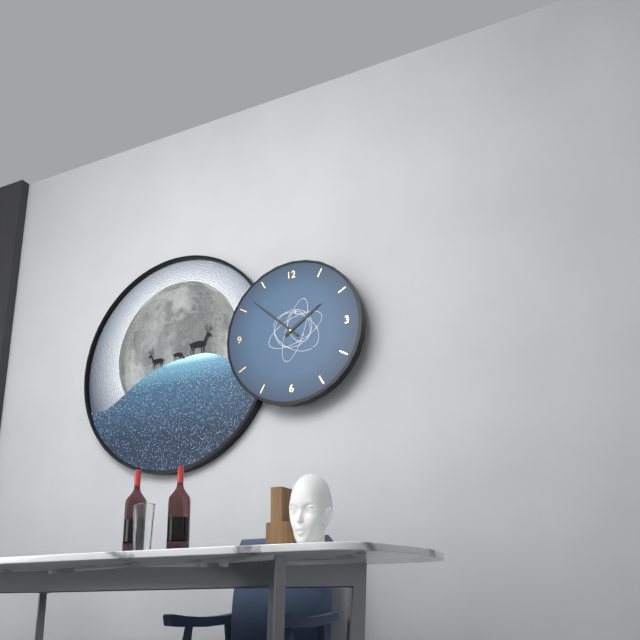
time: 1:52
